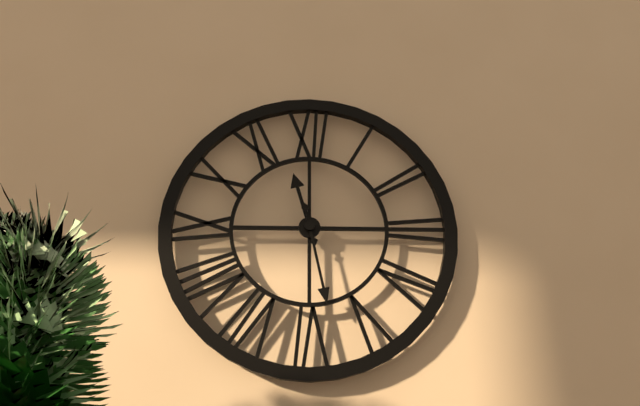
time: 11:28
